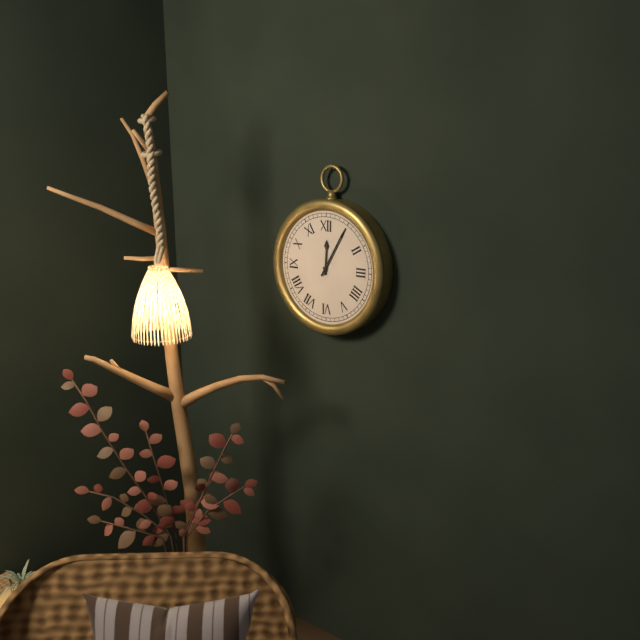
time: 12:05
